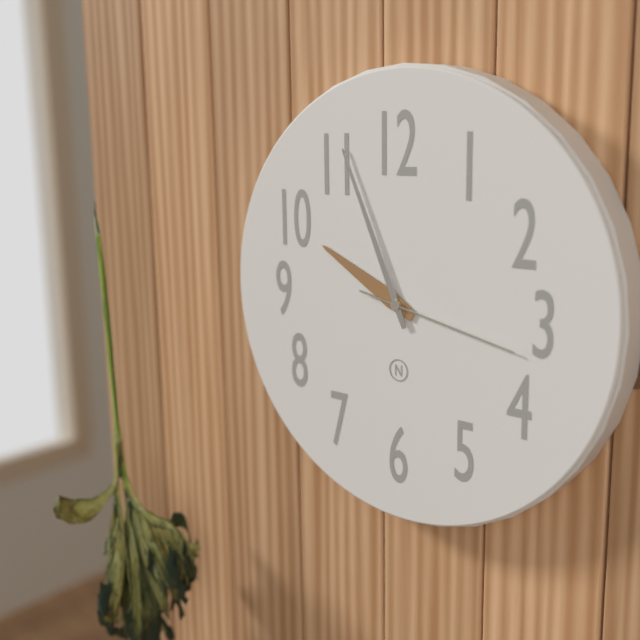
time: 9:56:17
